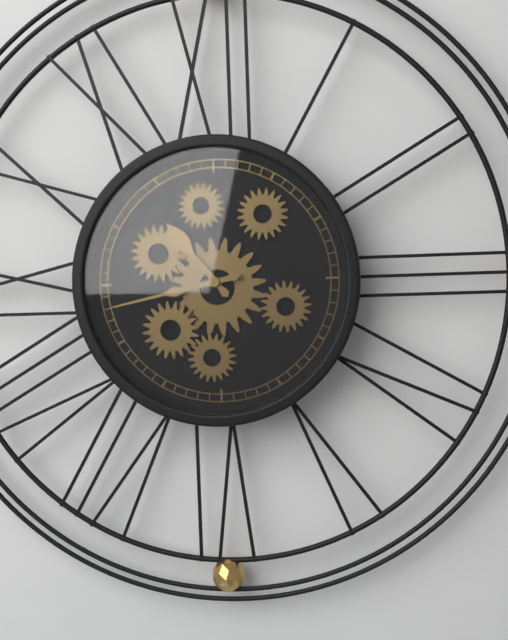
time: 10:43
